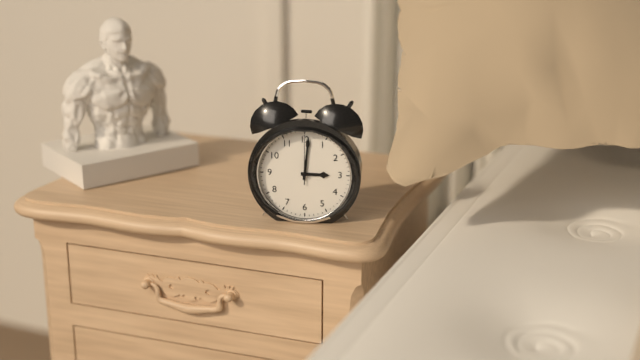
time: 3:01:00
